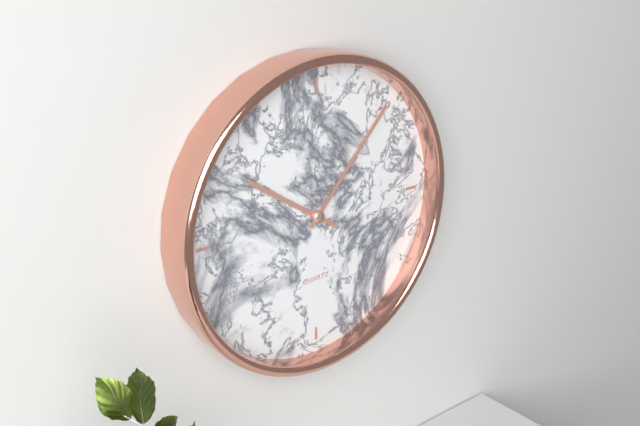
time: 10:07
